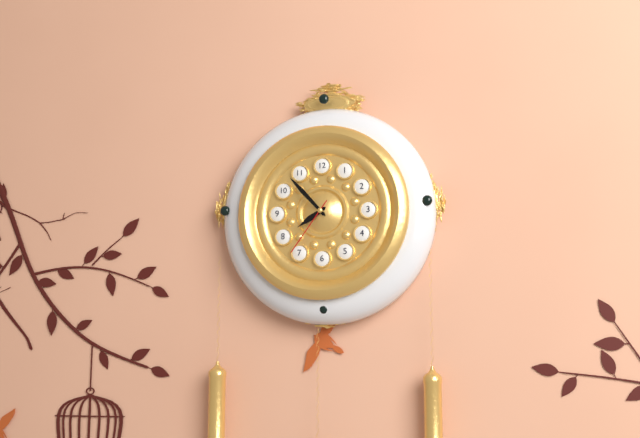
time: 7:53:36
